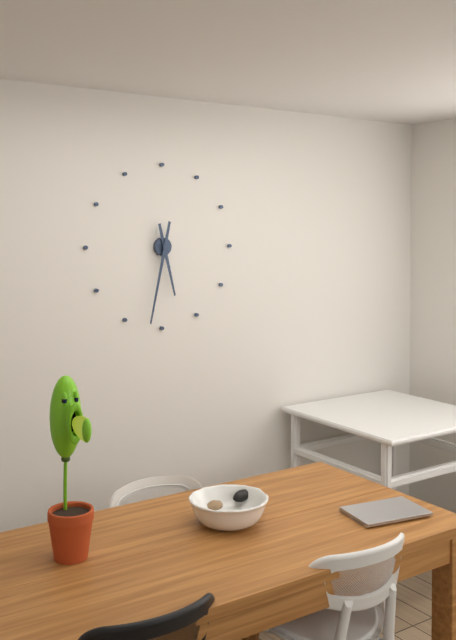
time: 5:32
